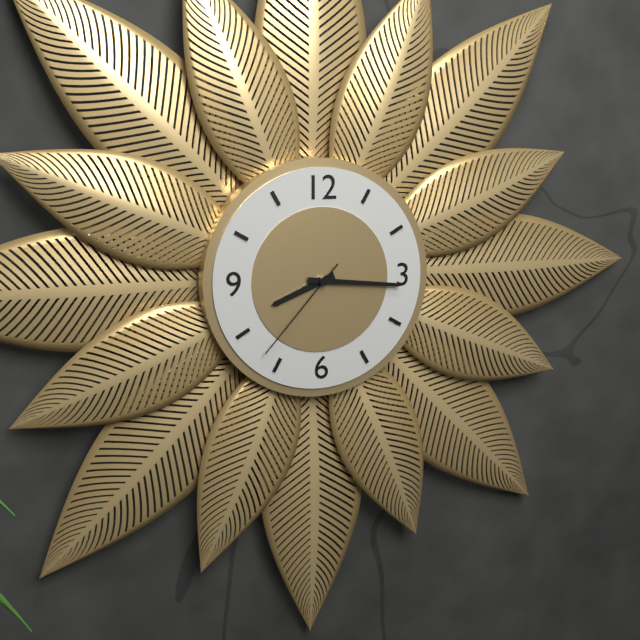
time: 8:16:37
